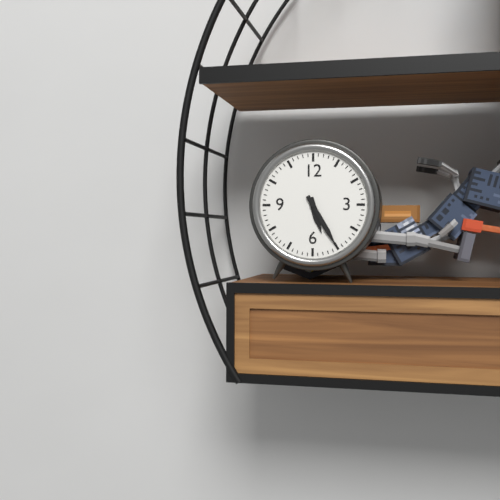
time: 5:25
